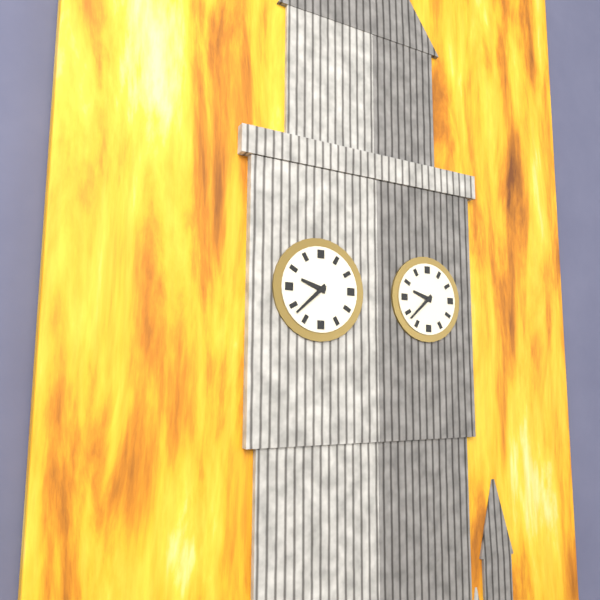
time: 9:38
